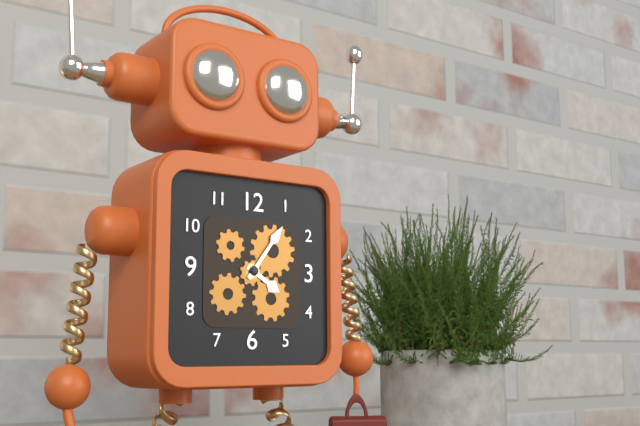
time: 4:06
